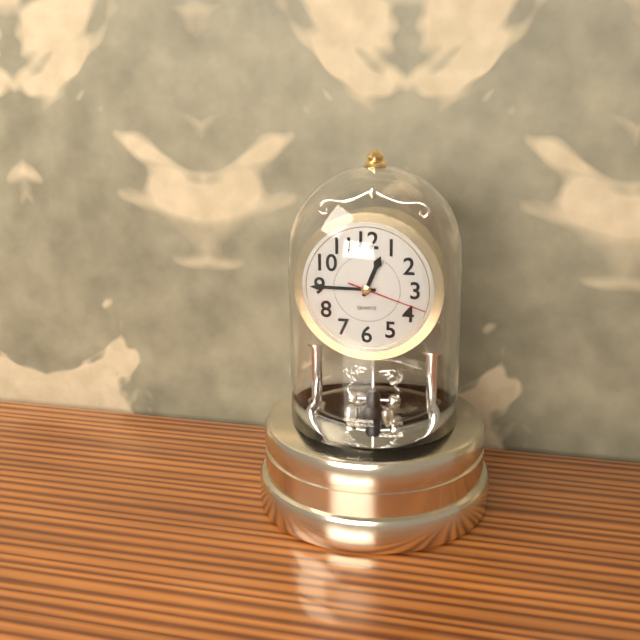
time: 12:45:18
